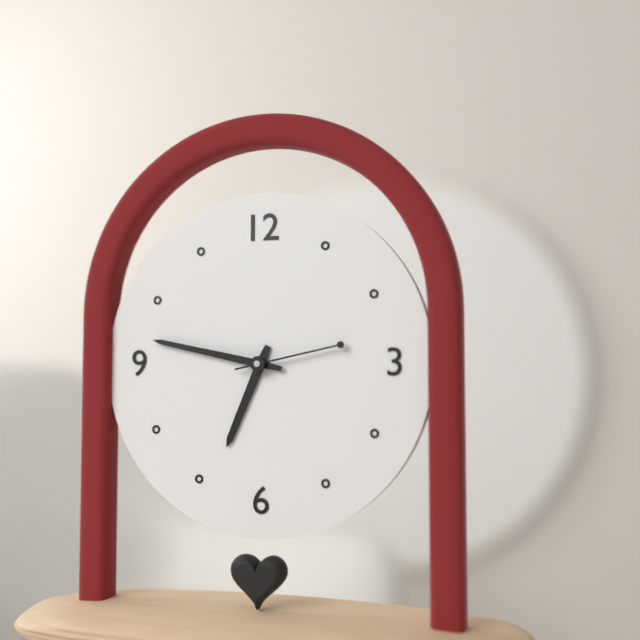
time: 6:47:13
